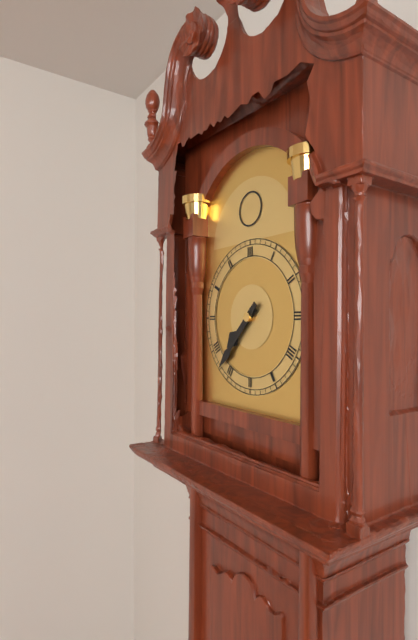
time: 7:37
